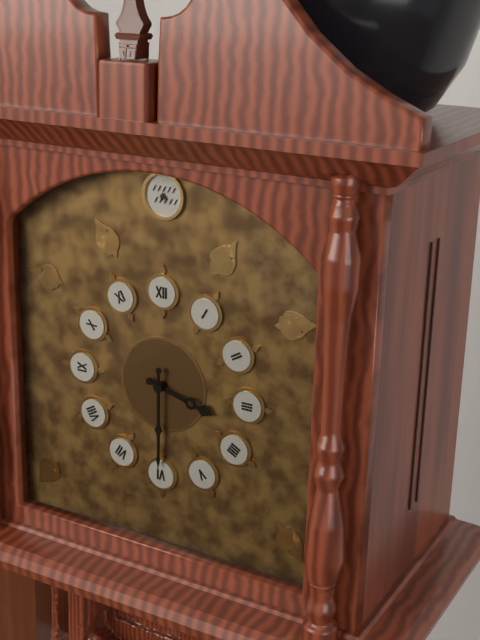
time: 3:30
